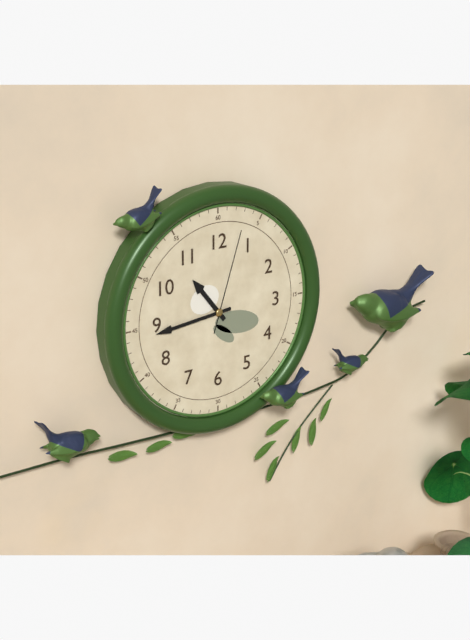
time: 10:44:03
